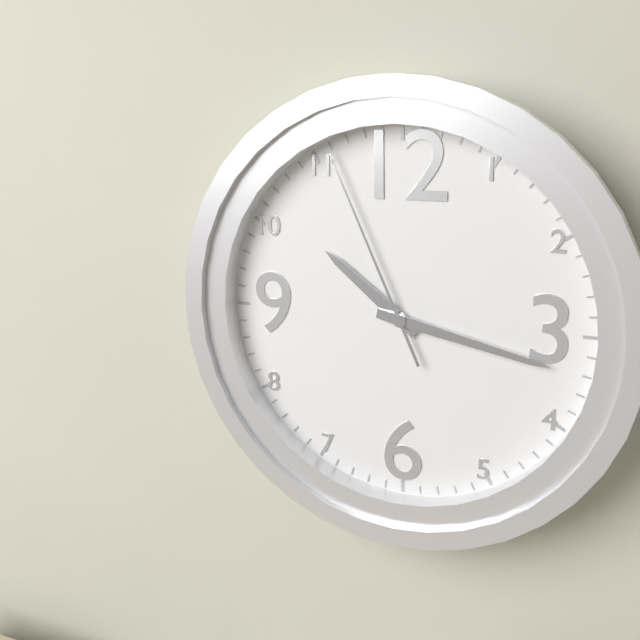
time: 10:17:56
